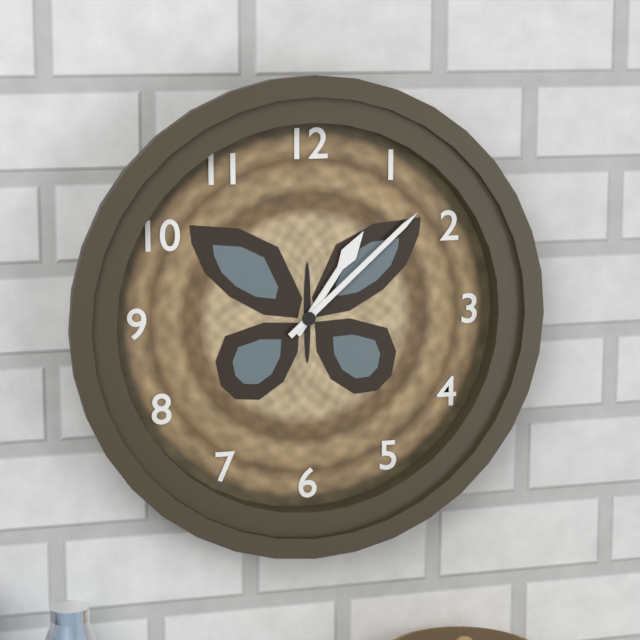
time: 1:08
